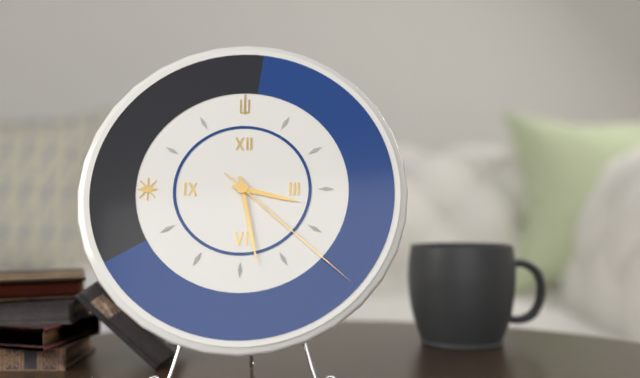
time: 3:28:22
